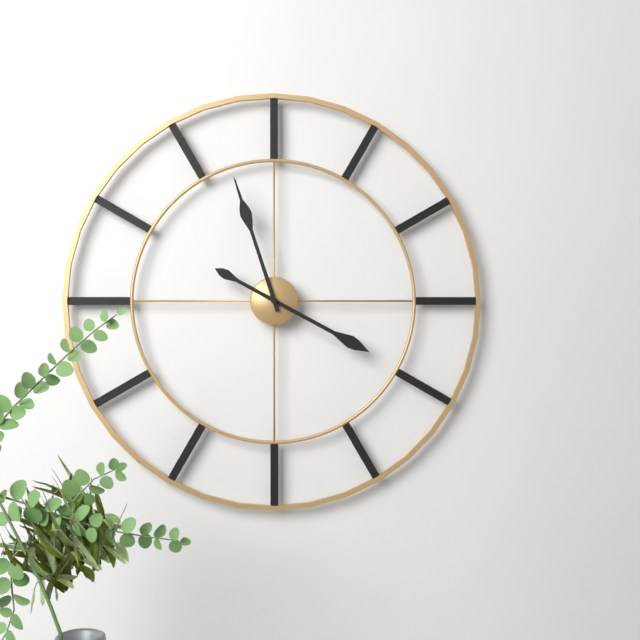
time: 3:57
